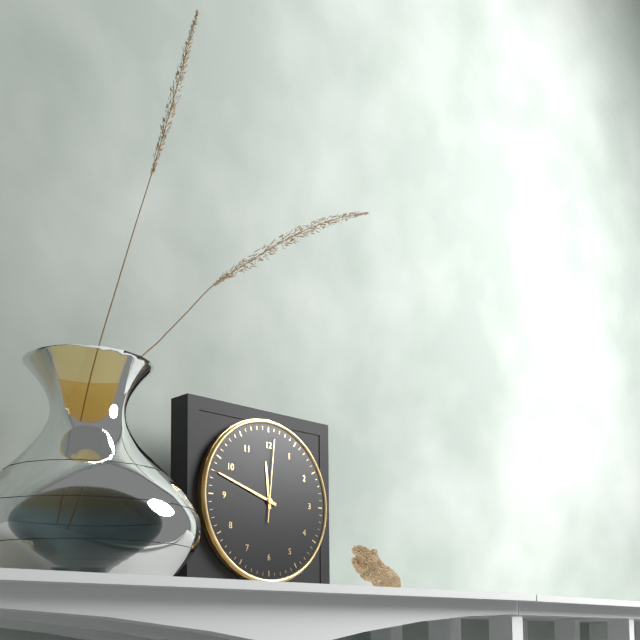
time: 11:48:01
